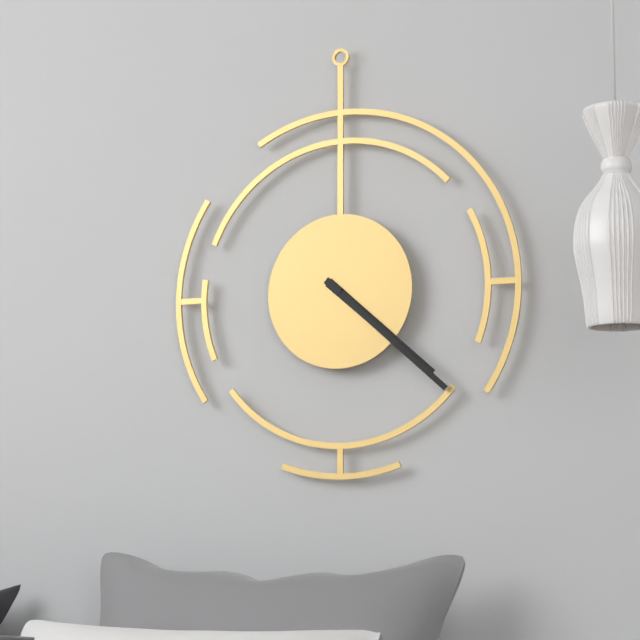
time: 4:22
